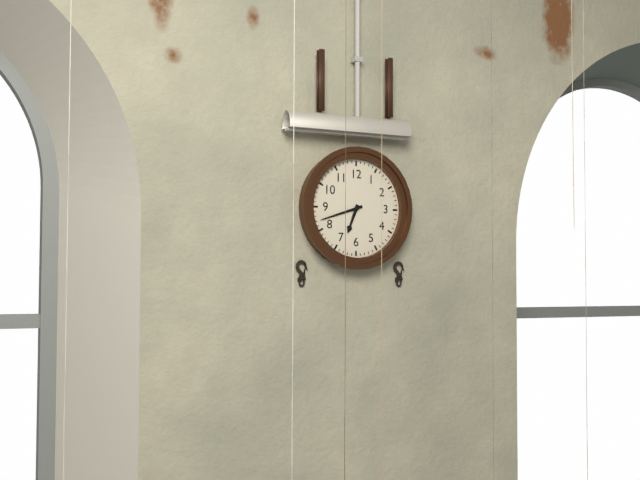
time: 6:42
